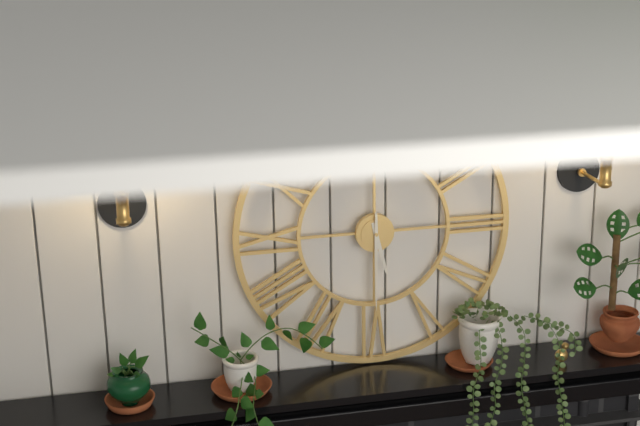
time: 5:30
